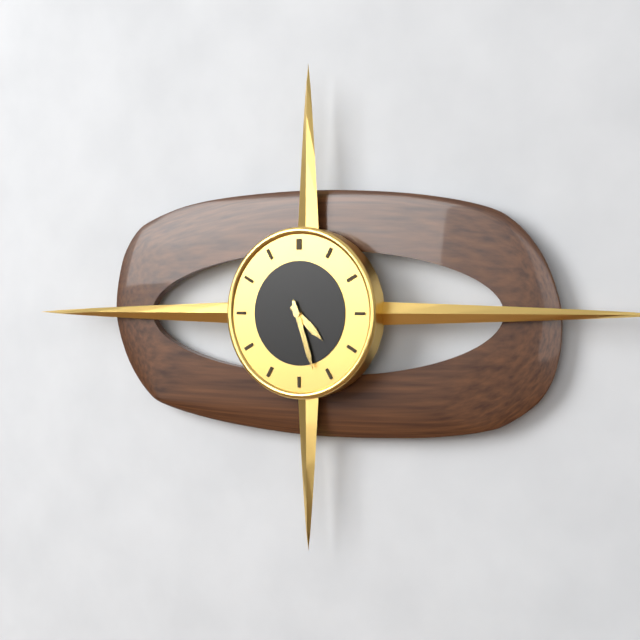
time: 4:27
